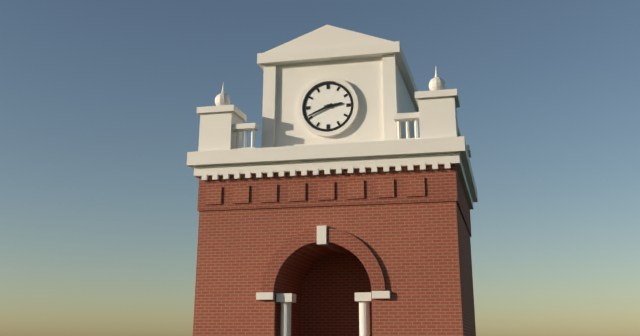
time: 2:41
